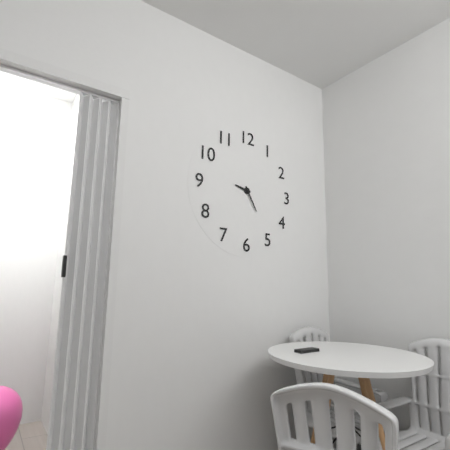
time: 9:25
